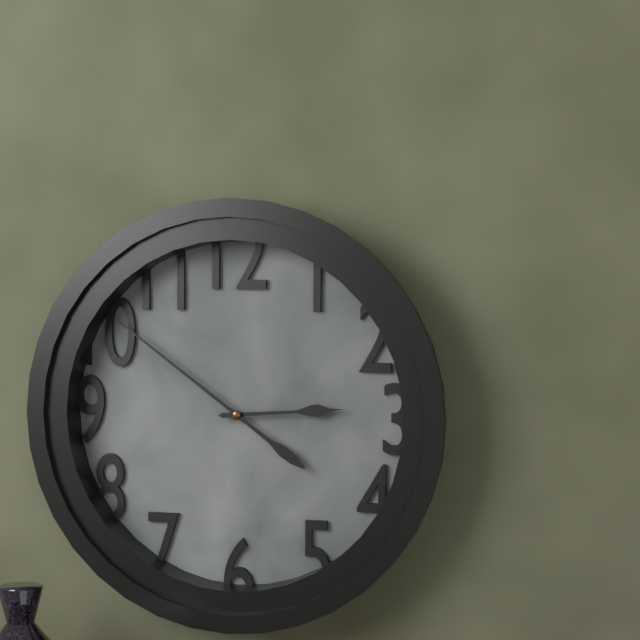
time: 2:51
